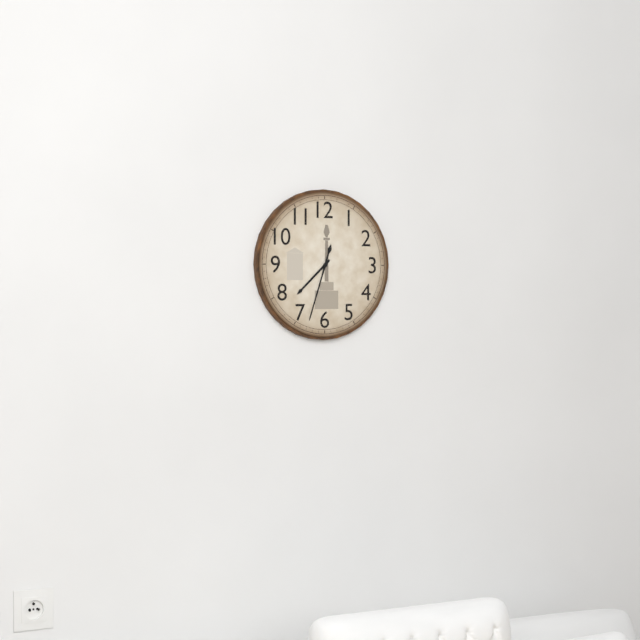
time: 7:33
